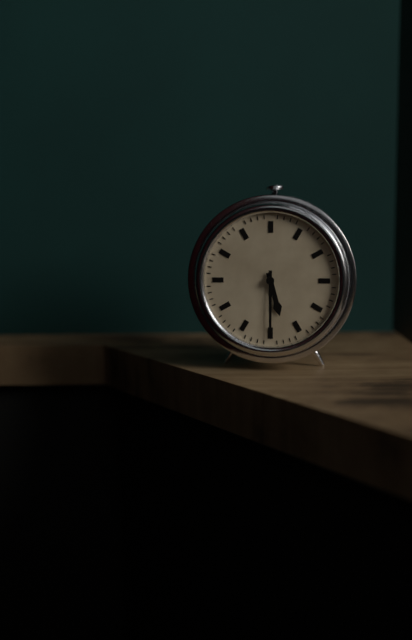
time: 5:30
